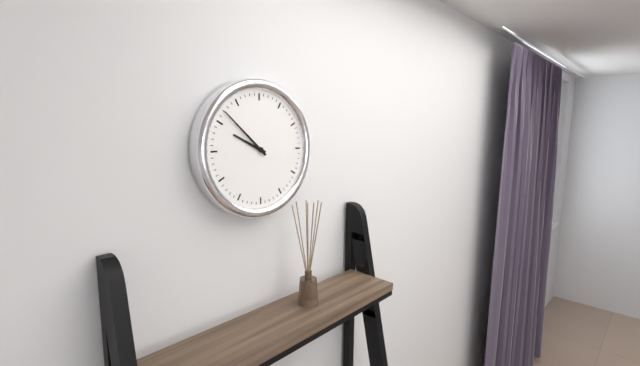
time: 9:52
